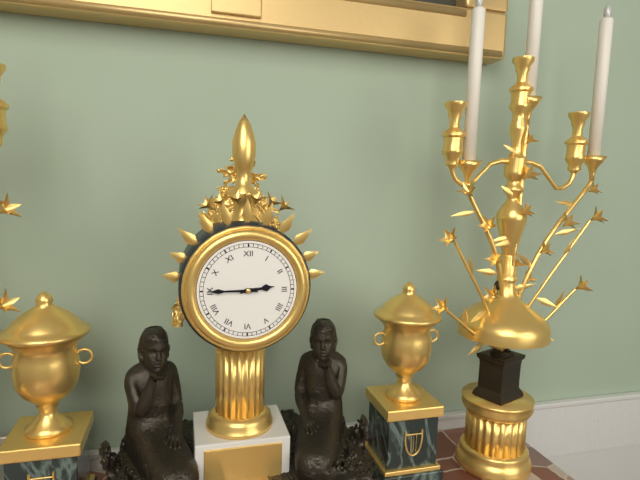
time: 2:45
